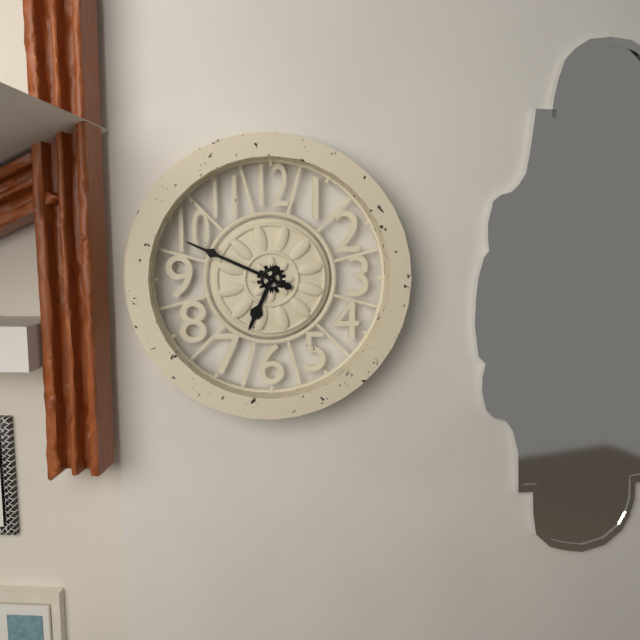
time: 6:49
